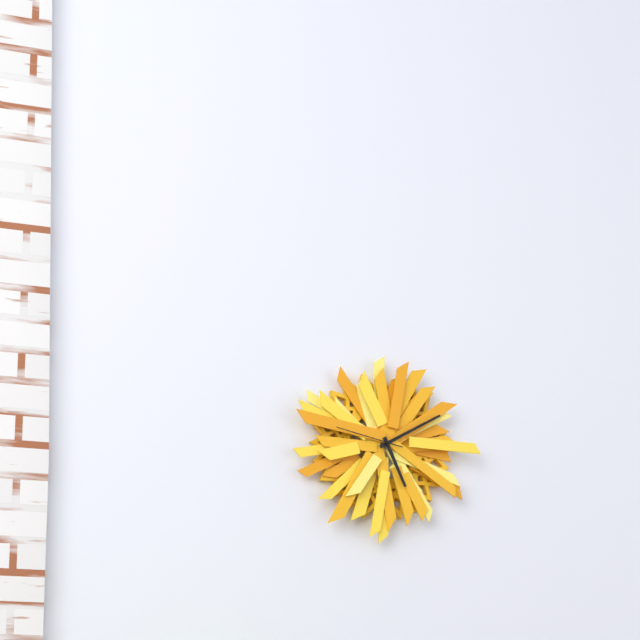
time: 5:10:47
